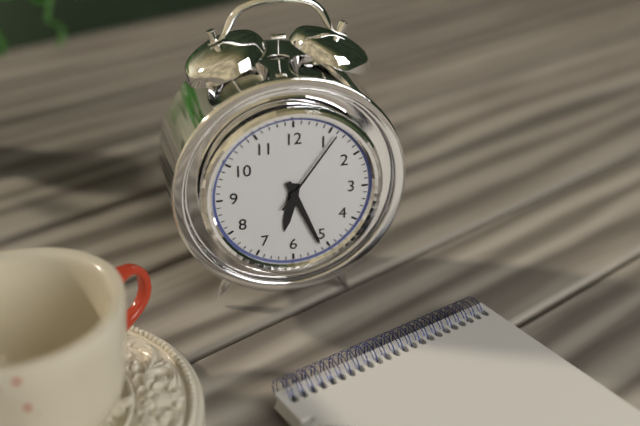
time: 6:26:06
